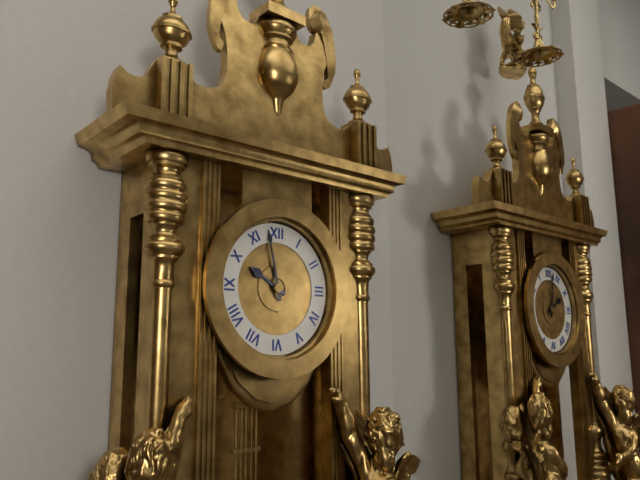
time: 9:58
